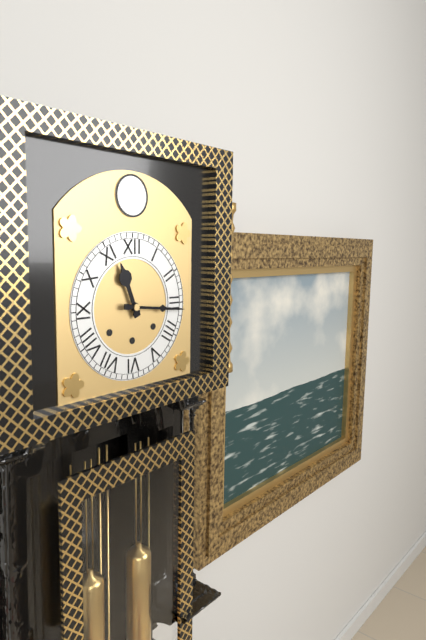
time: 11:16
